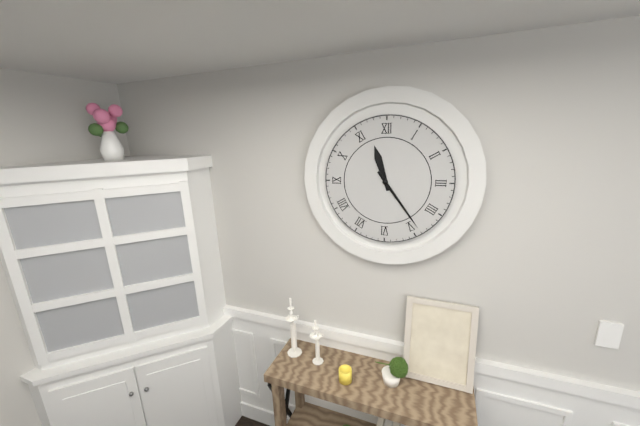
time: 11:24
